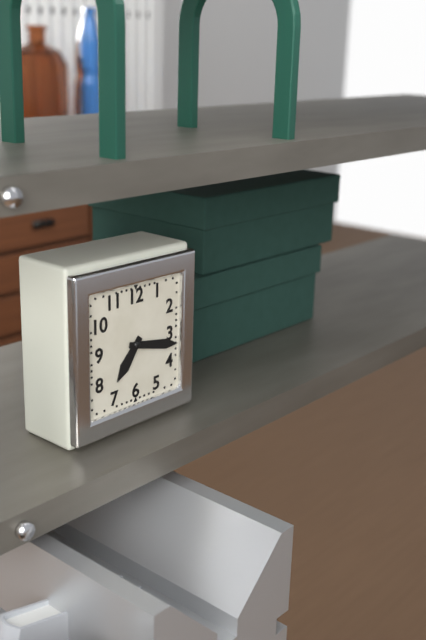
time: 7:17
